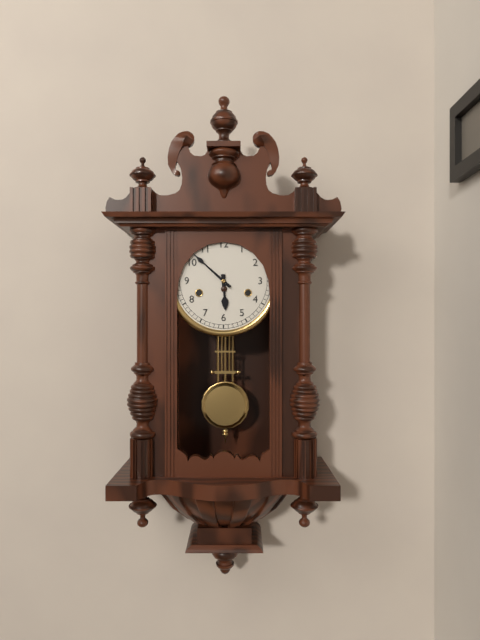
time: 5:52
